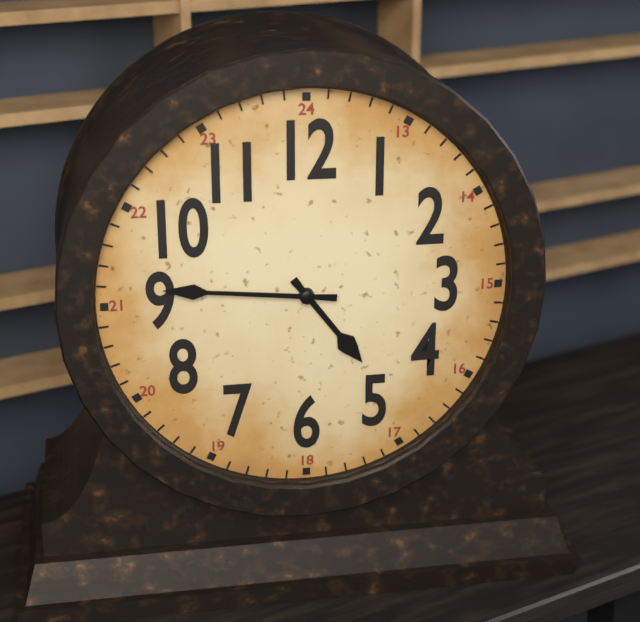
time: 4:46
